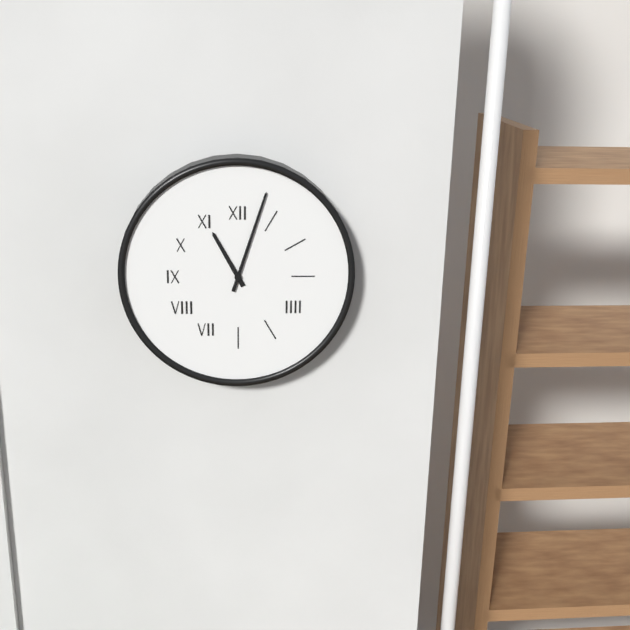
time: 11:03
